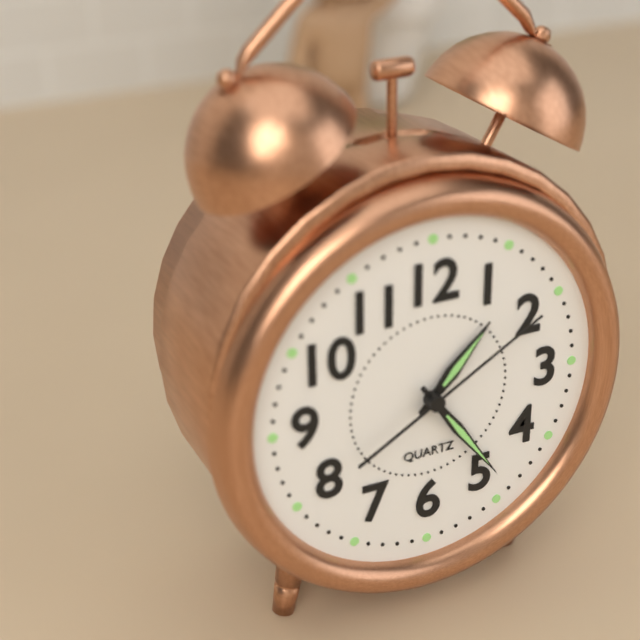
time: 1:24:10
